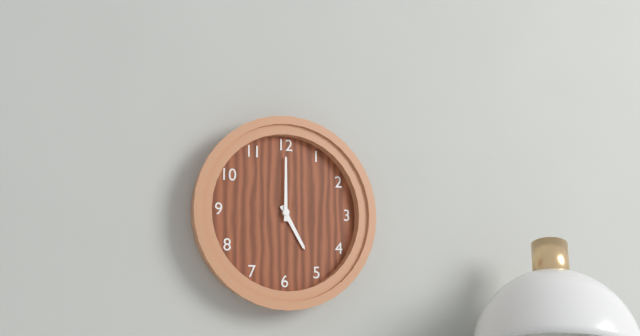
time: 5:00
